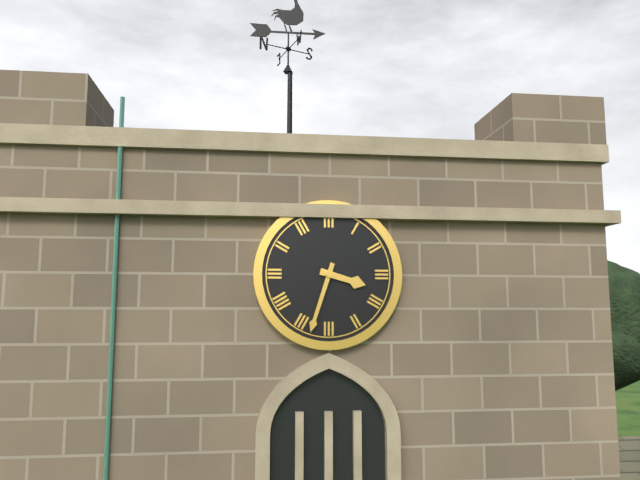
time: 3:33
